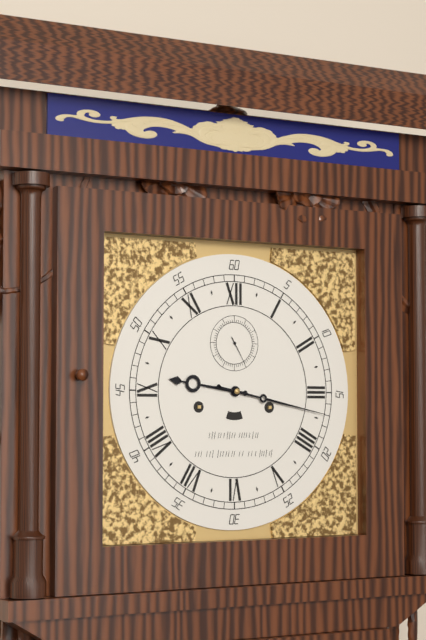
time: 9:17
